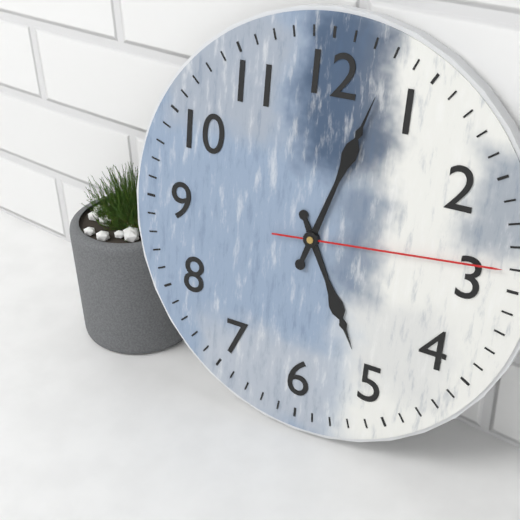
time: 5:03:14
